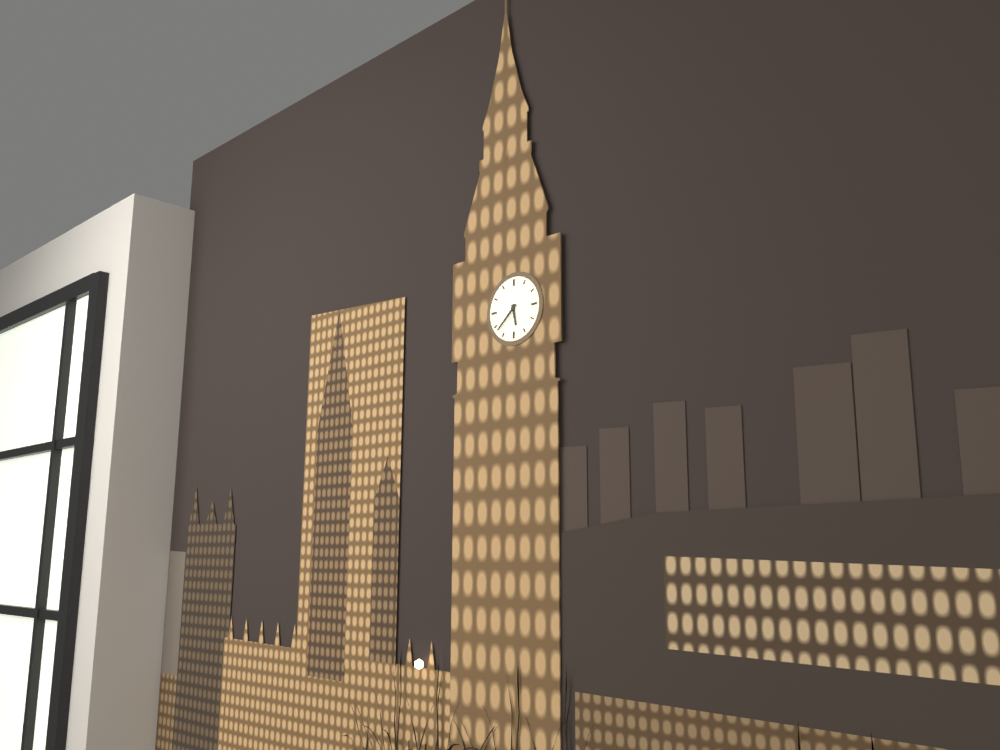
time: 5:38
